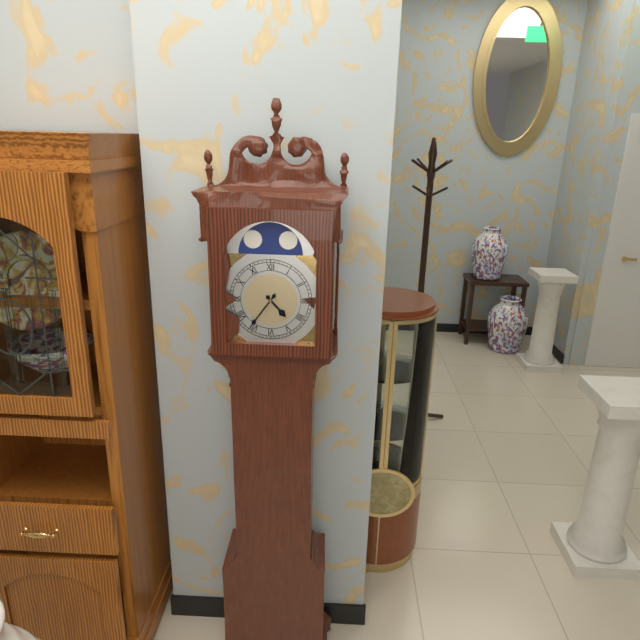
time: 4:36
